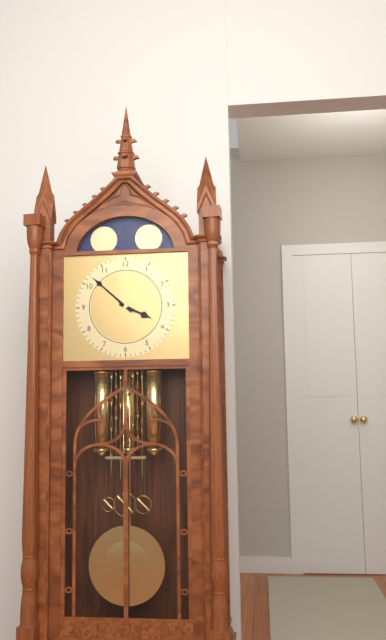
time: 3:52
